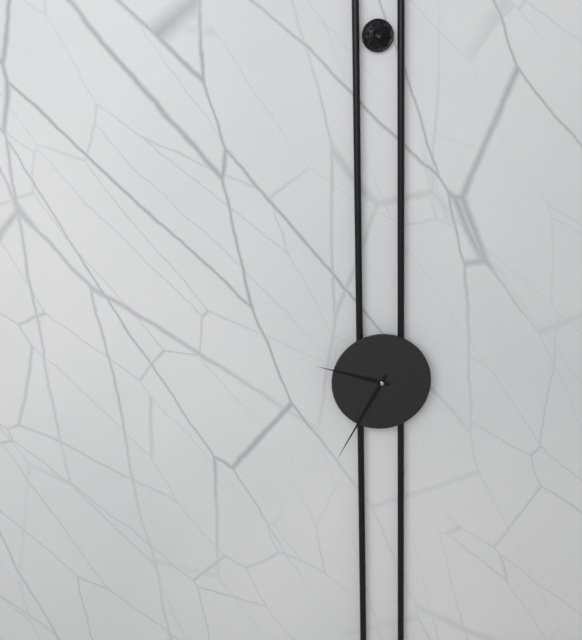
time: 9:35
